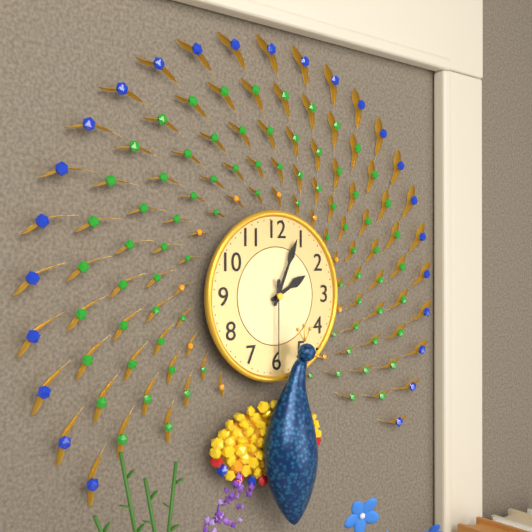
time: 2:04:30
